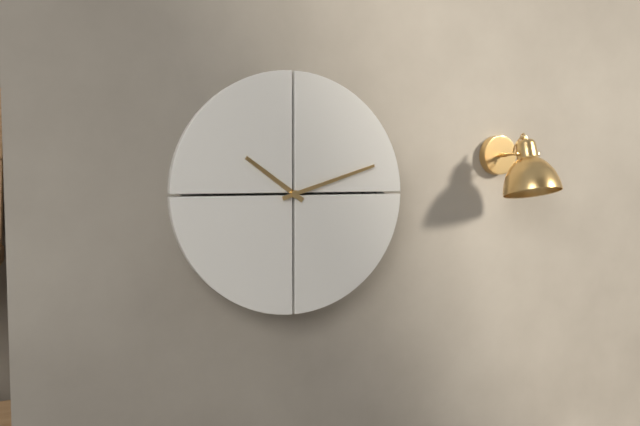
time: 10:12
